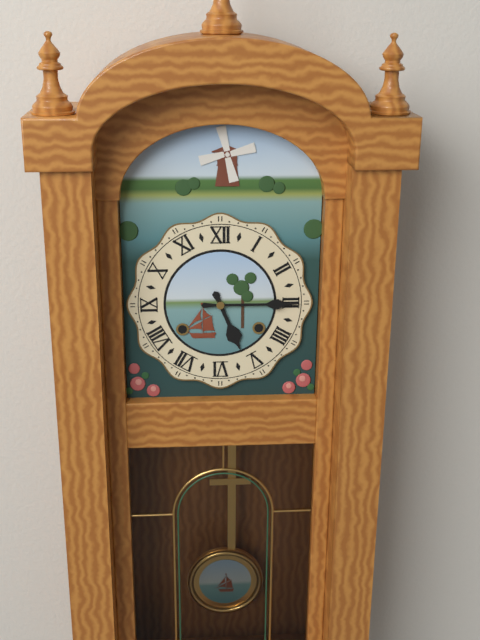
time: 5:15
